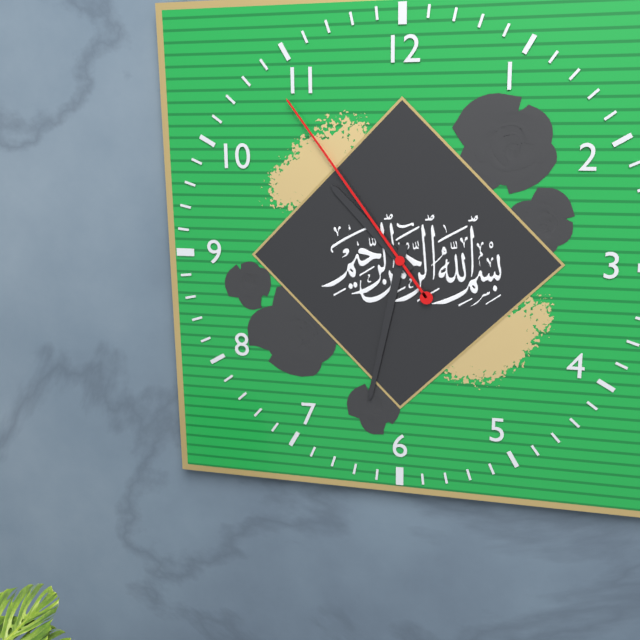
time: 10:32:54
